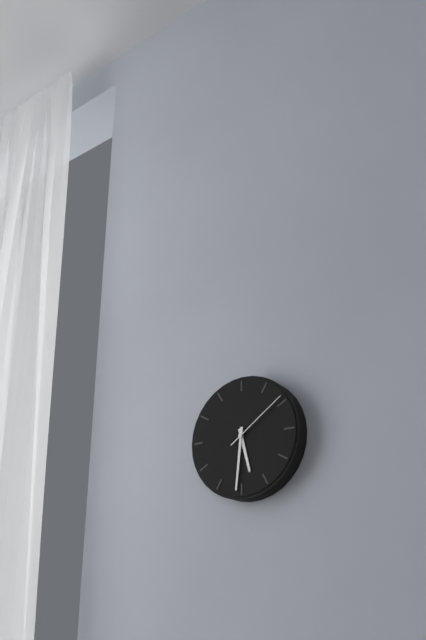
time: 5:31:09
